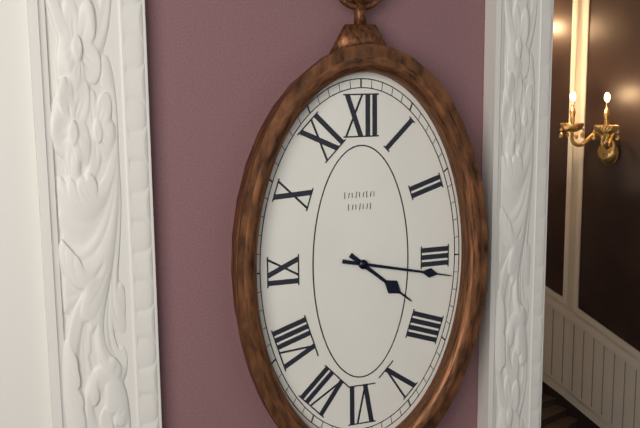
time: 4:17
